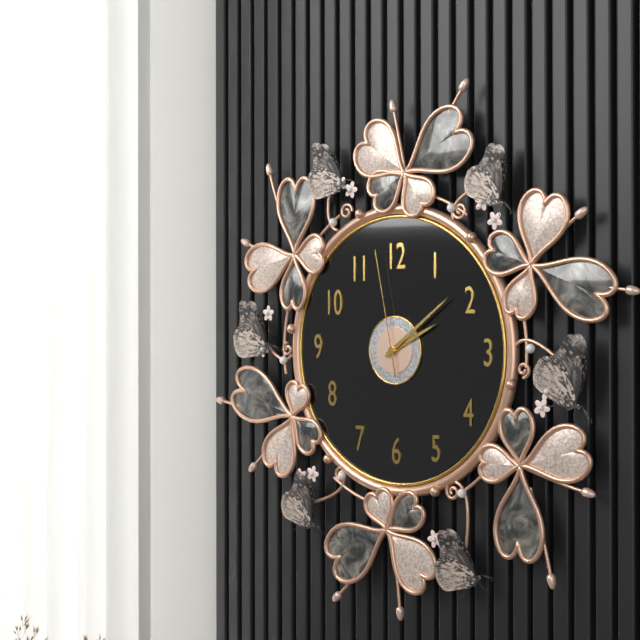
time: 2:09:58
